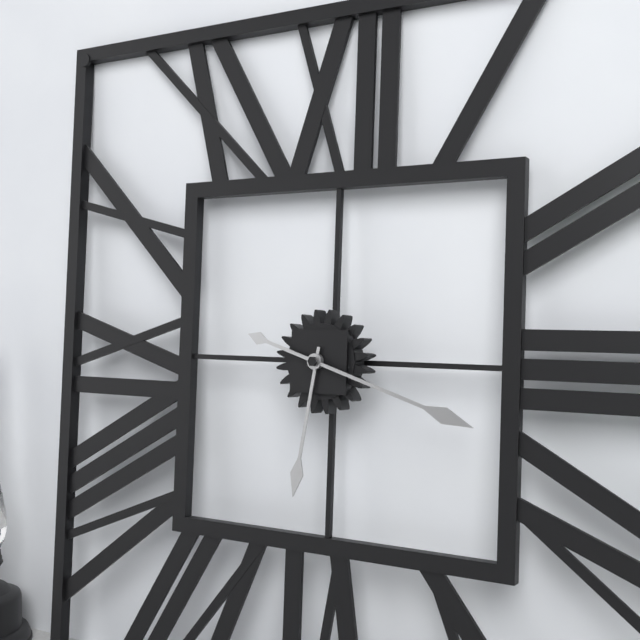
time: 6:18
